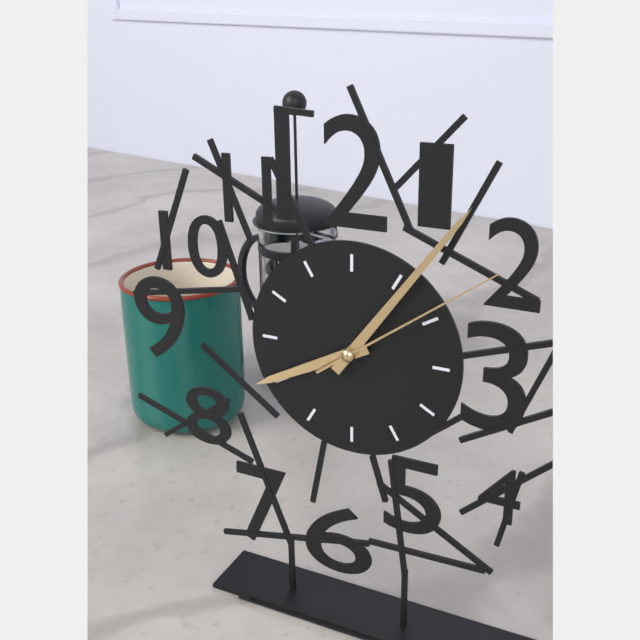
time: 8:06:09
